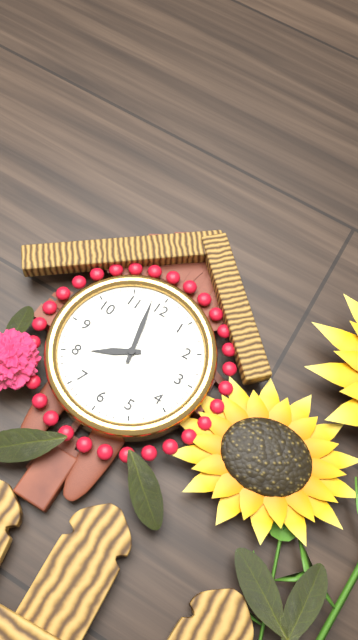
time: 7:58
